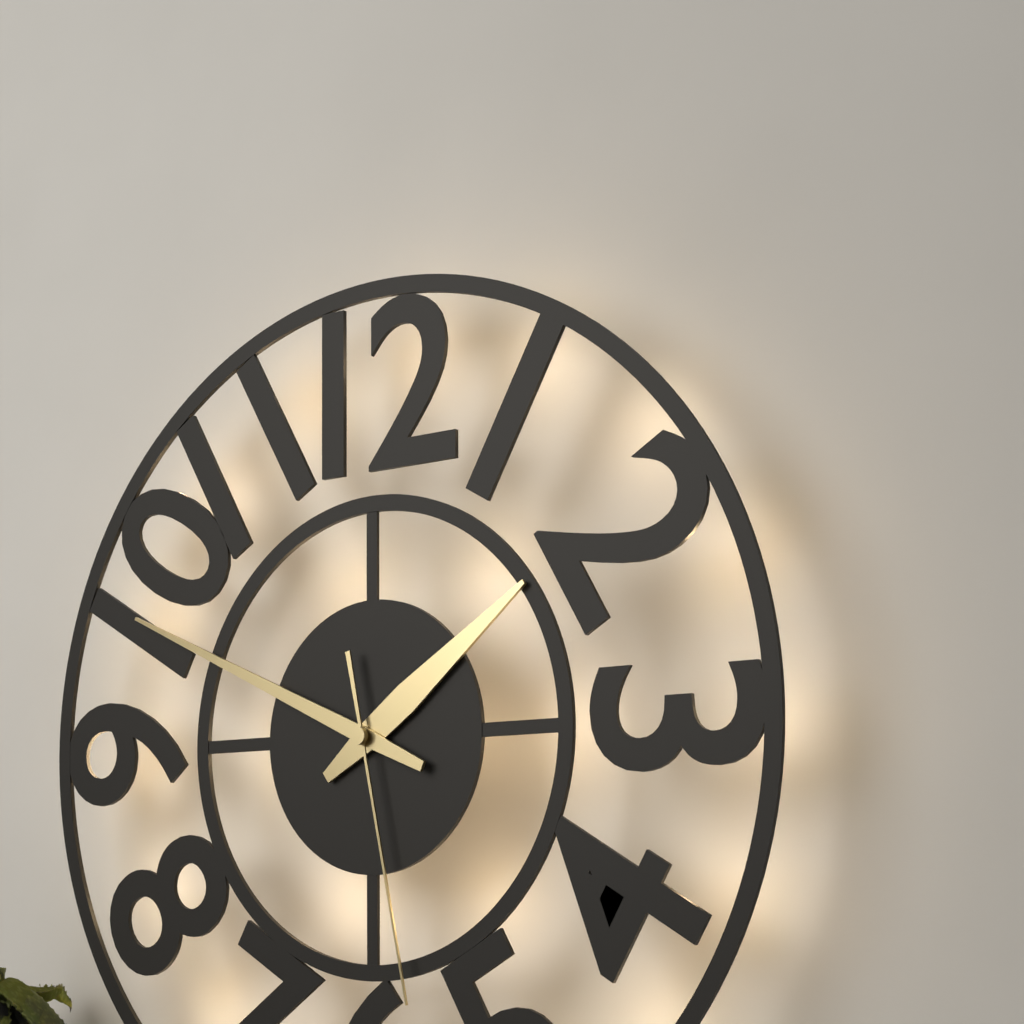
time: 1:49:28
